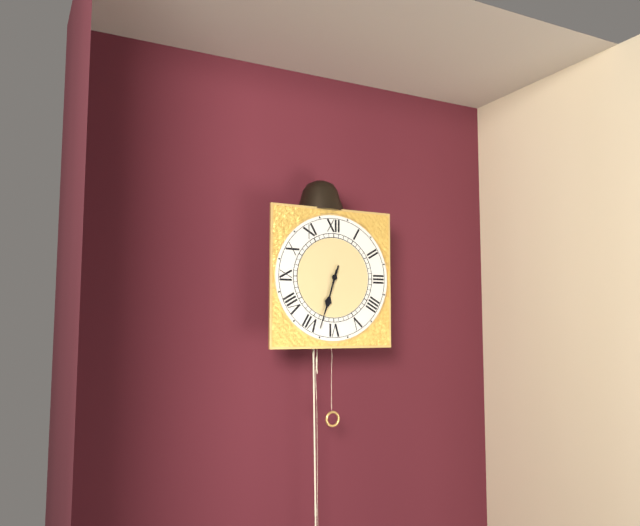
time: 6:33
